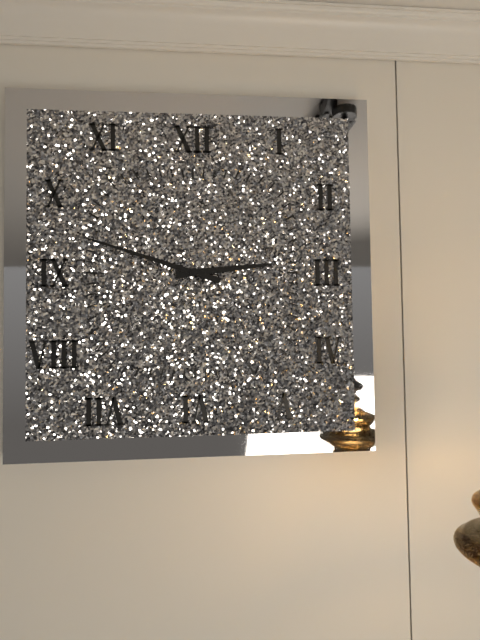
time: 2:48
